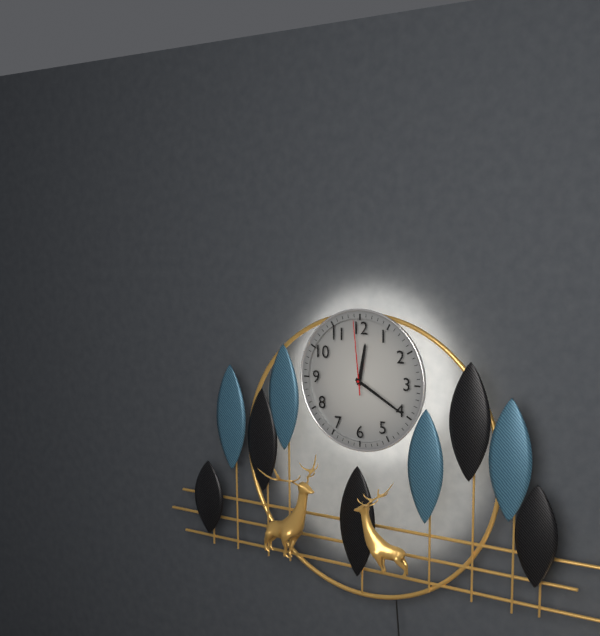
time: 12:20:59
